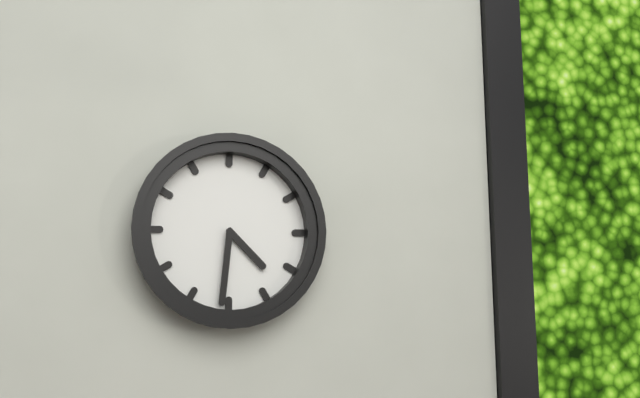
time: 4:31
